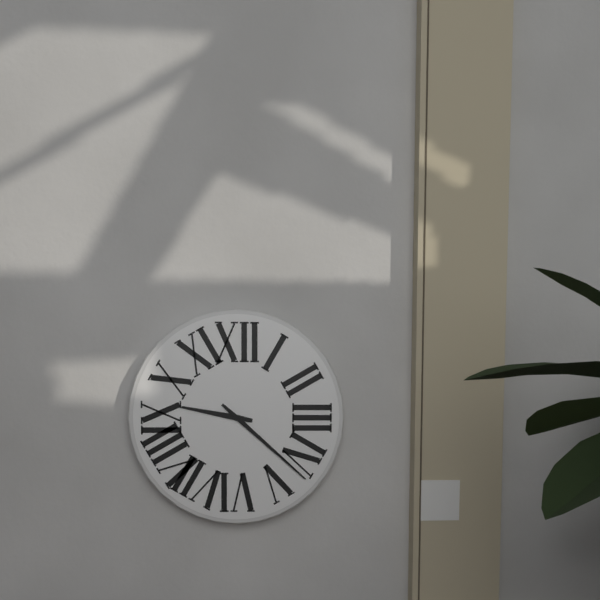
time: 9:22
